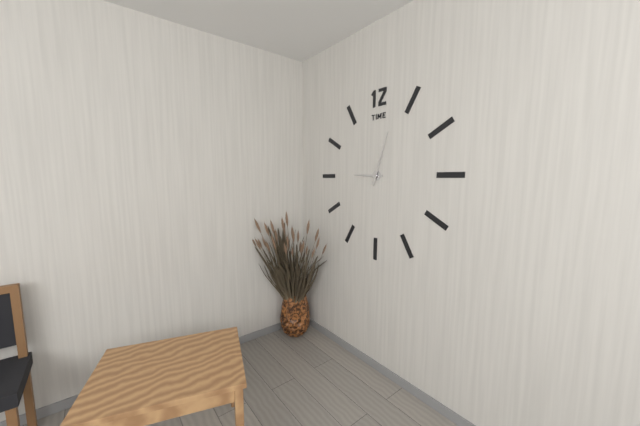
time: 9:03
